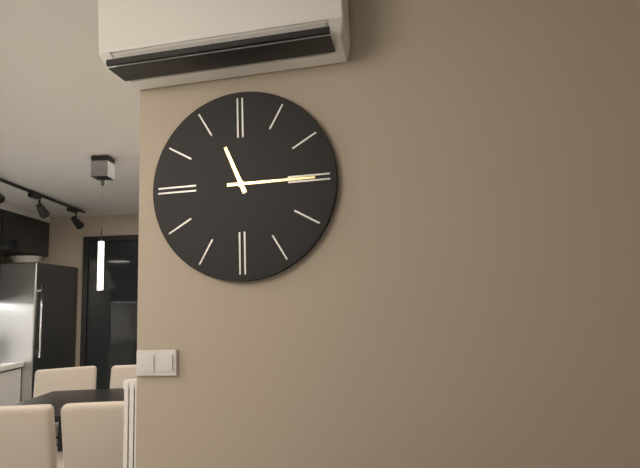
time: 11:15
